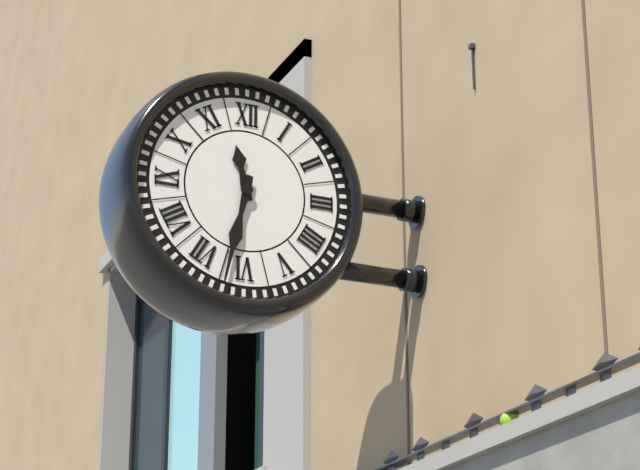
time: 11:32
